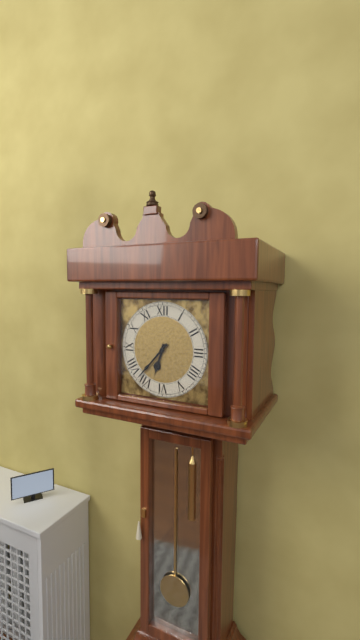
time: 6:37
